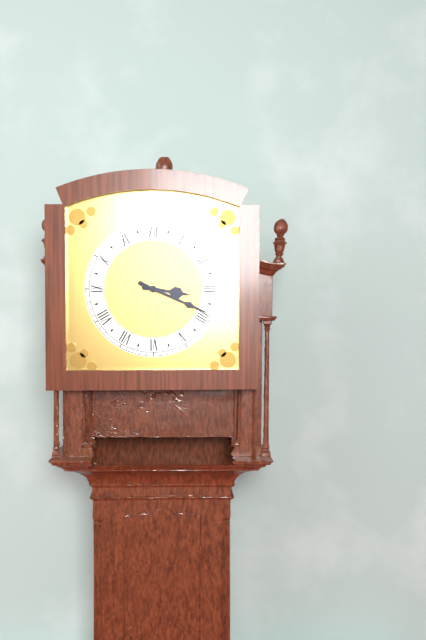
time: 3:19
